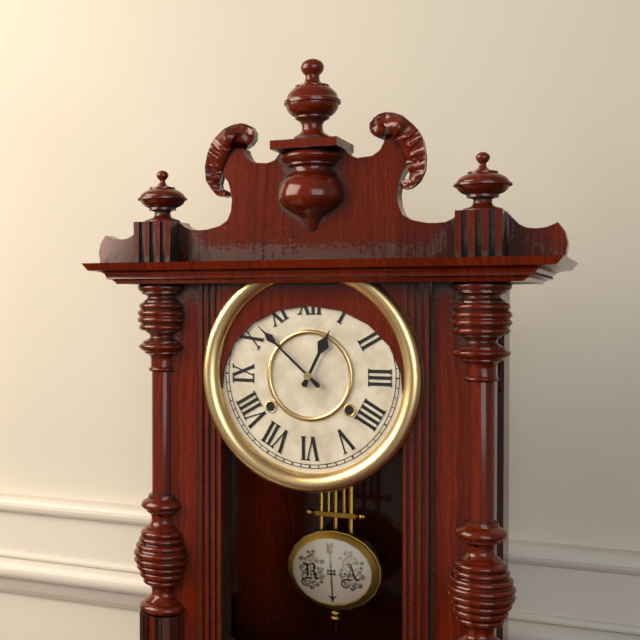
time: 12:52
